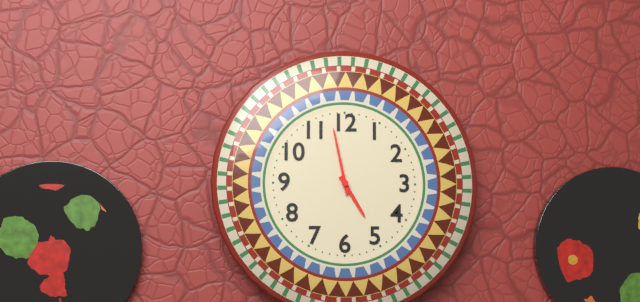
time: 4:58
